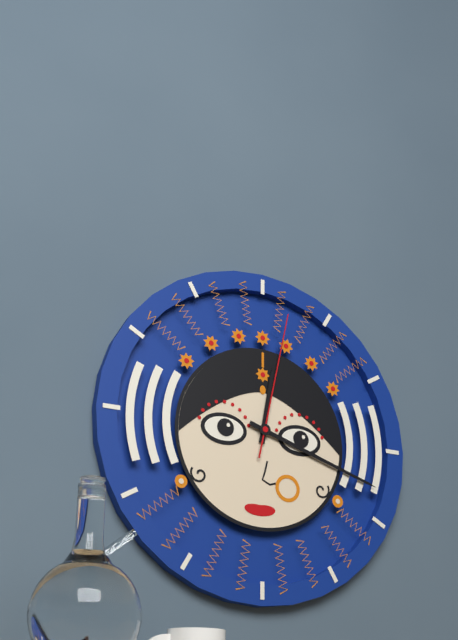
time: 12:18:02
